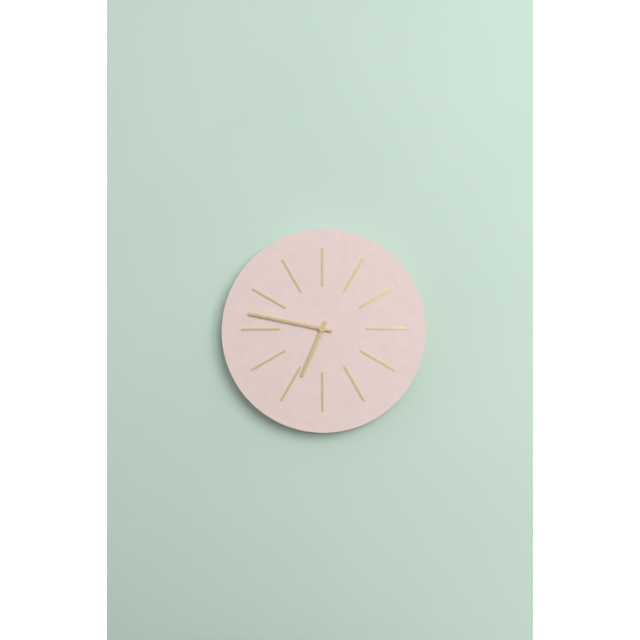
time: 6:47
